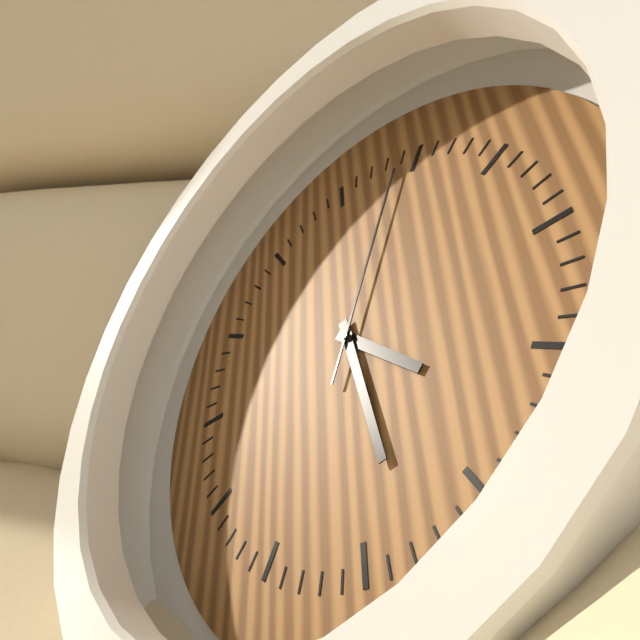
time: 4:28:04
